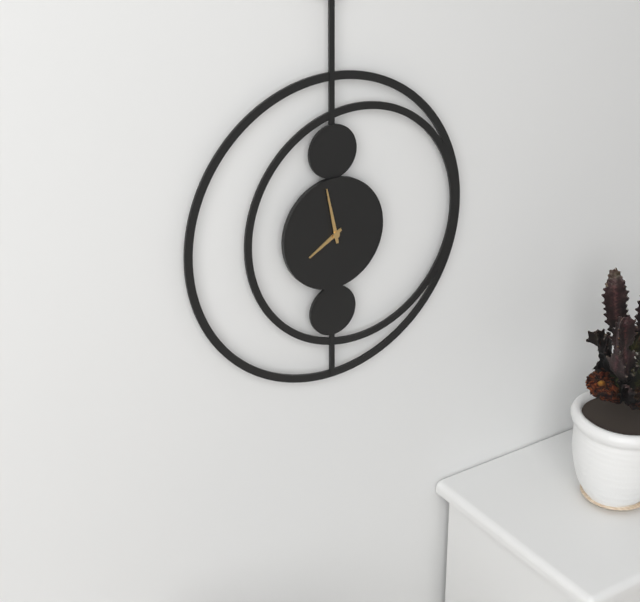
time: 7:58
